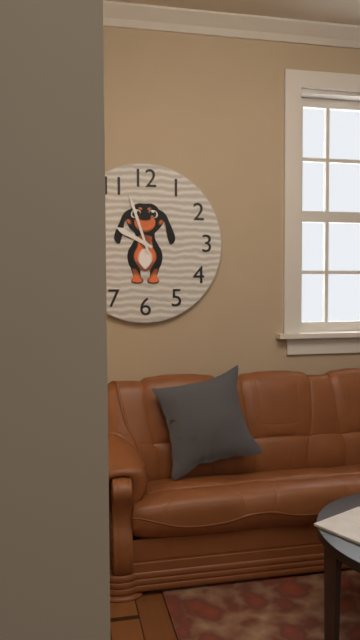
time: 9:57
